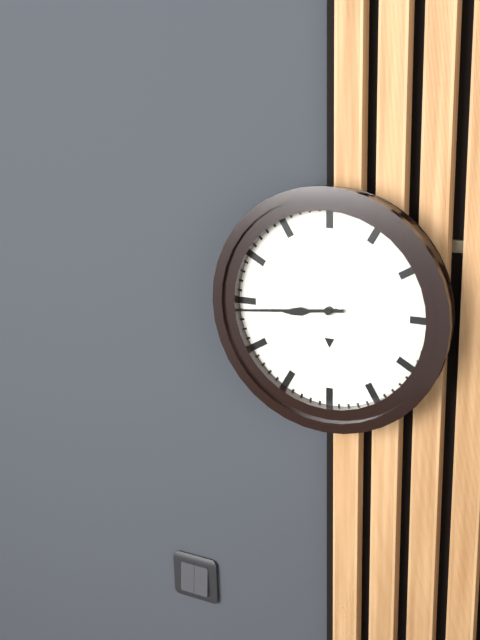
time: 8:44
